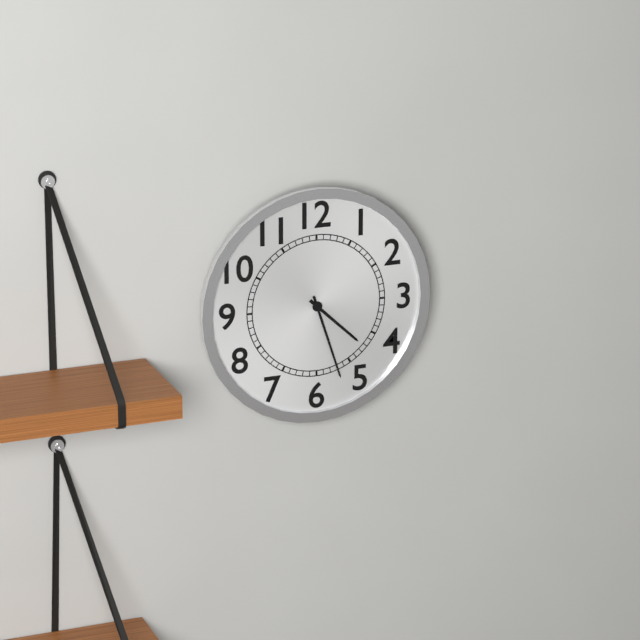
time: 4:27
